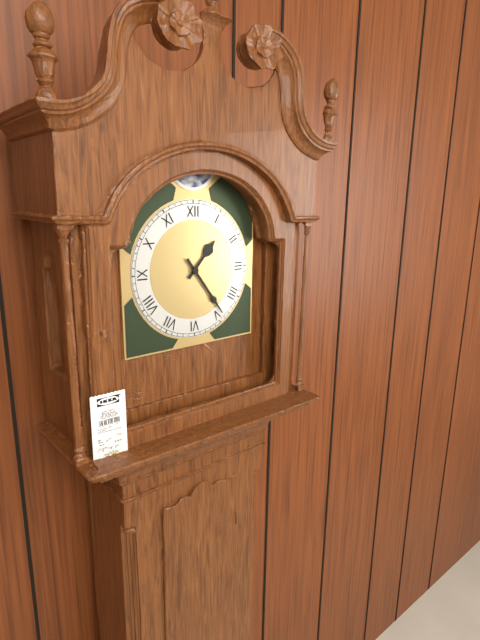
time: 1:24
